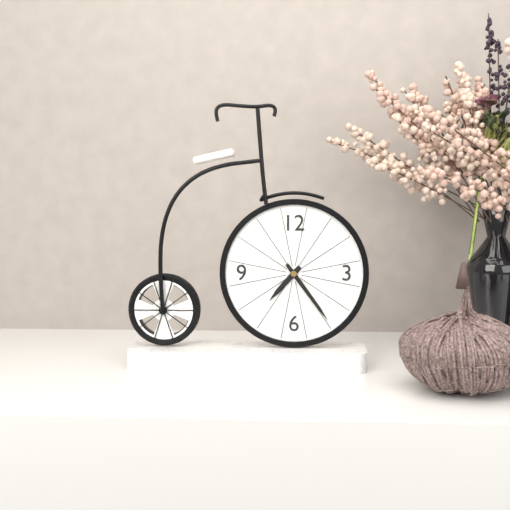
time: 7:24
